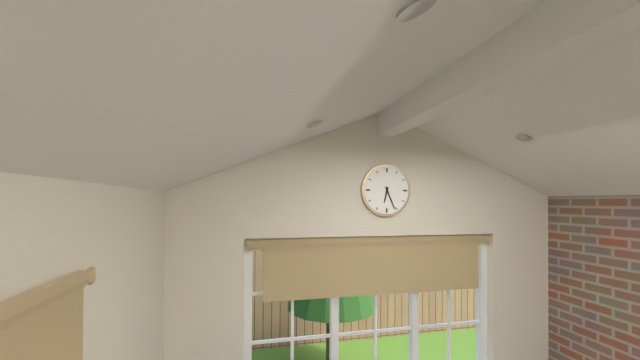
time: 6:26
